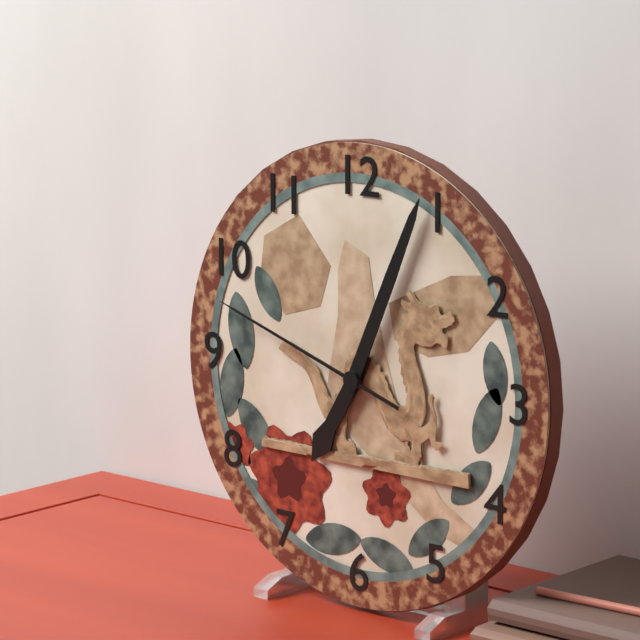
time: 7:04:48
